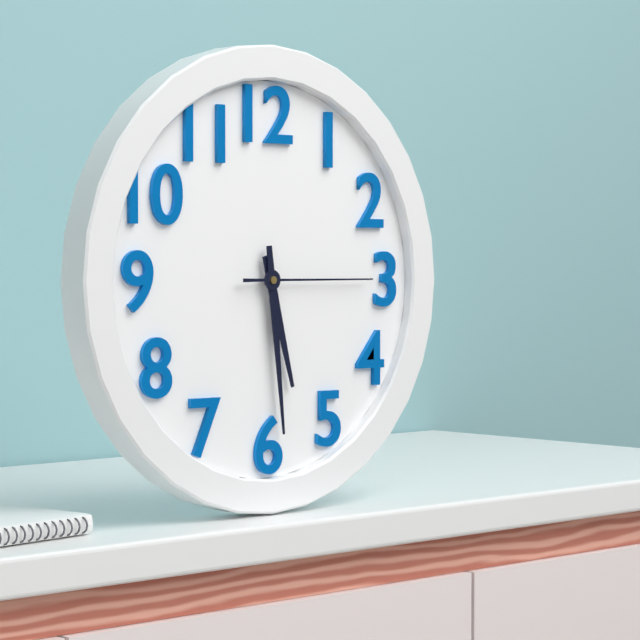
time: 5:29:15
